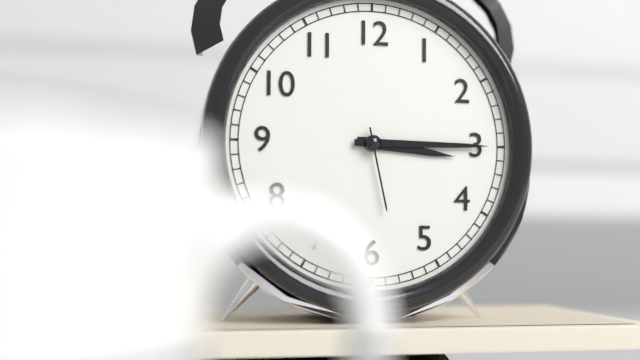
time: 3:15:28
